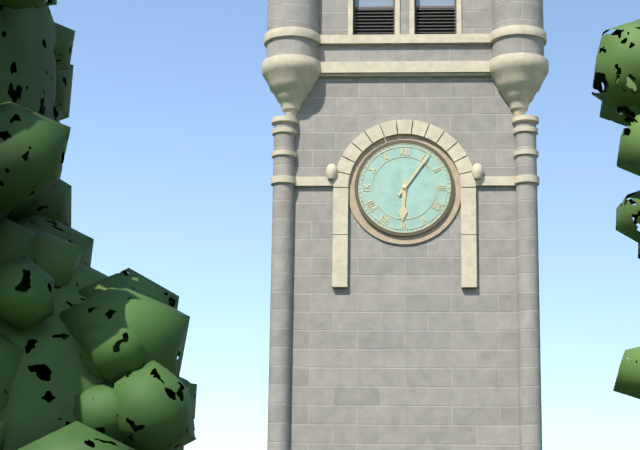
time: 6:06
